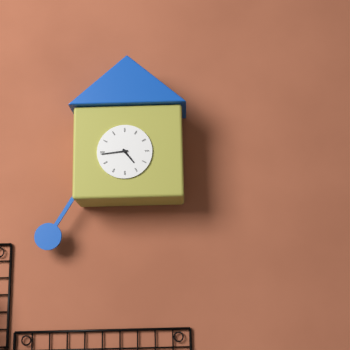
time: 4:44
